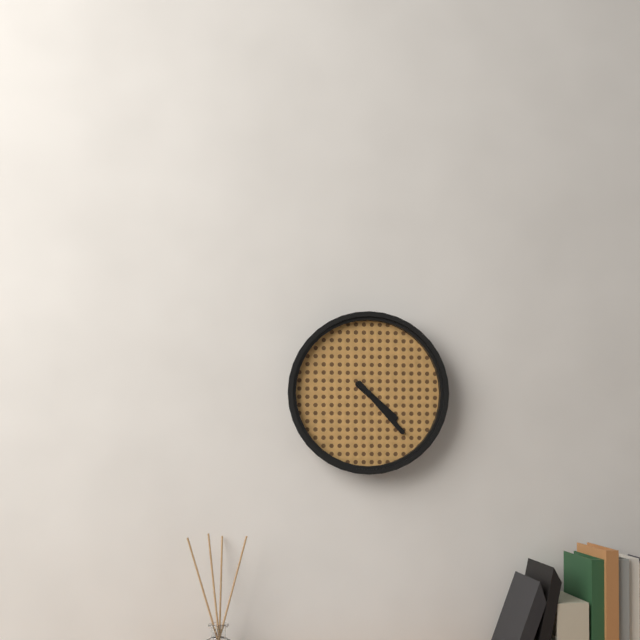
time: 4:23
